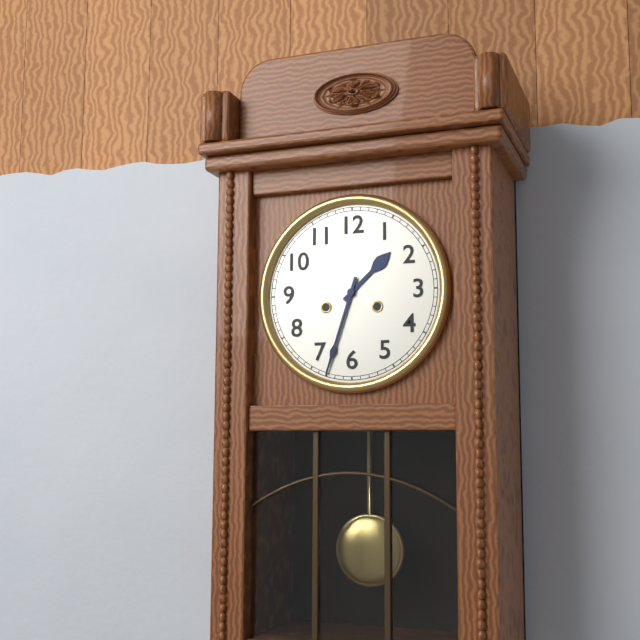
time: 1:33
